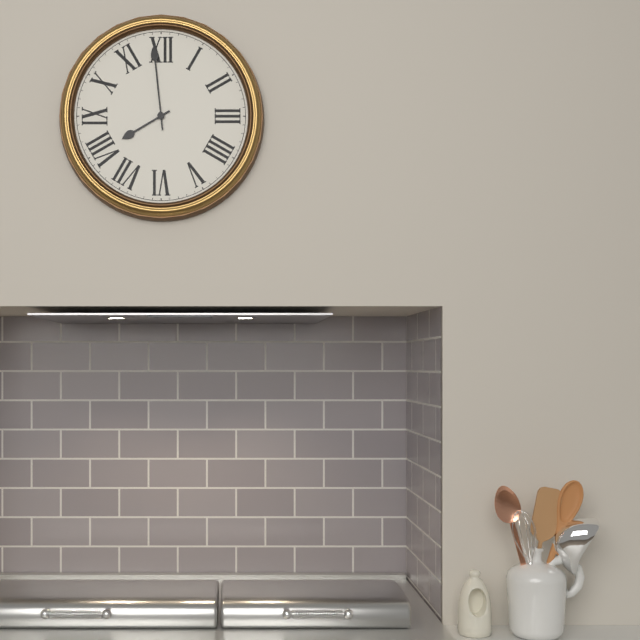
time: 7:59
